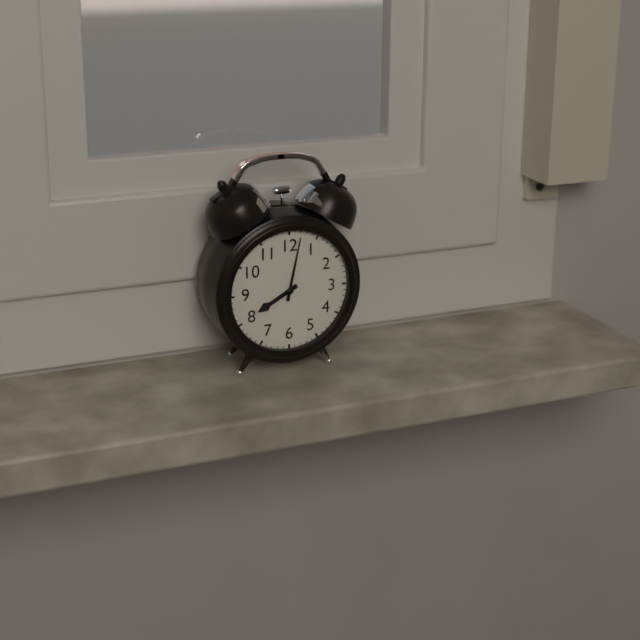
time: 8:02
